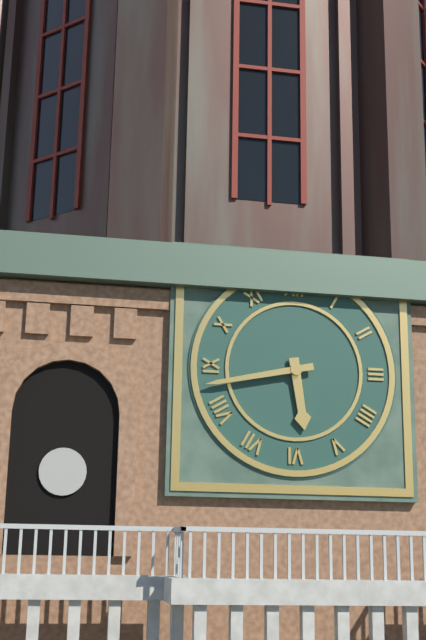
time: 5:43
